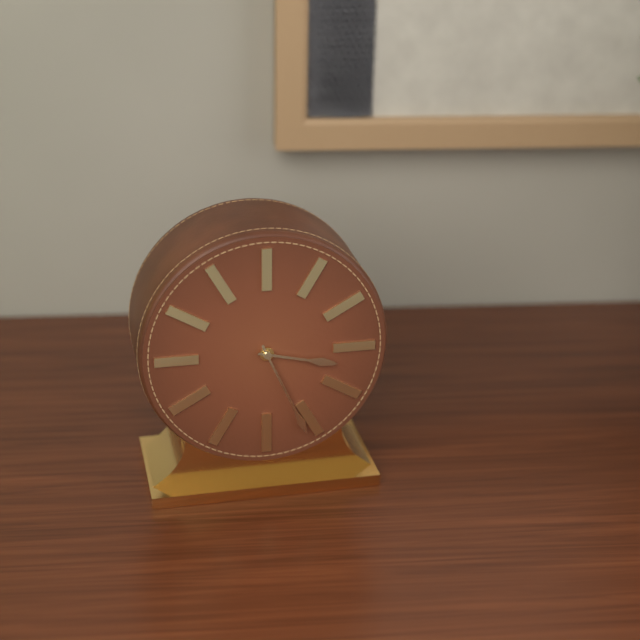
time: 3:26
